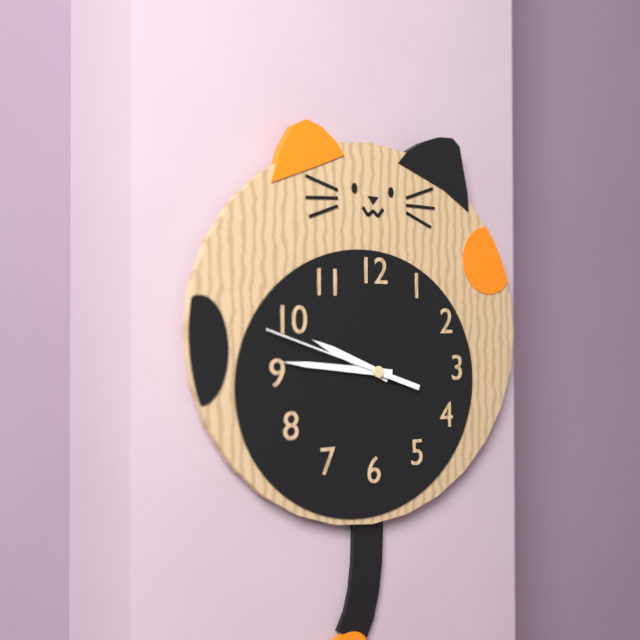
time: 9:46:48
